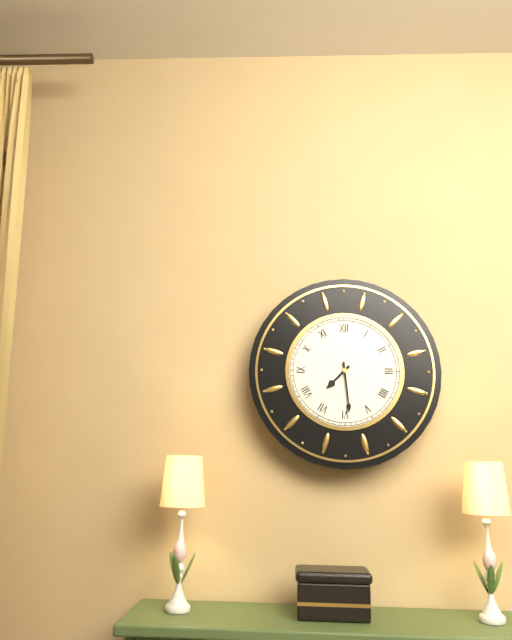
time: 7:29
